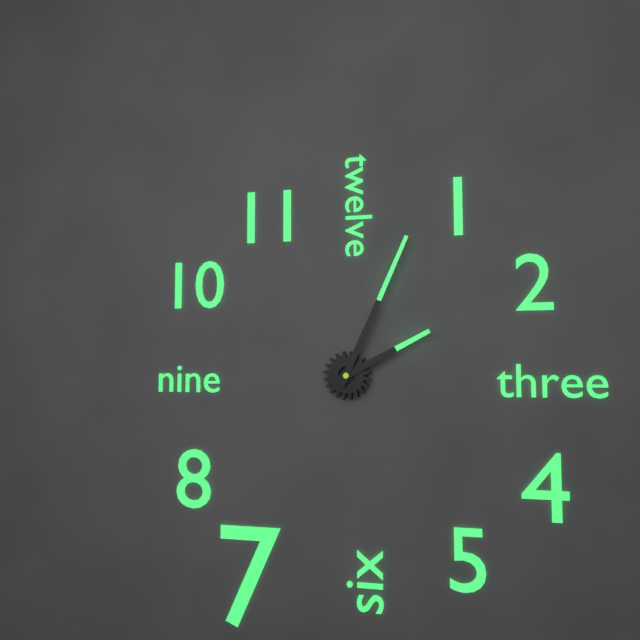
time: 2:04
